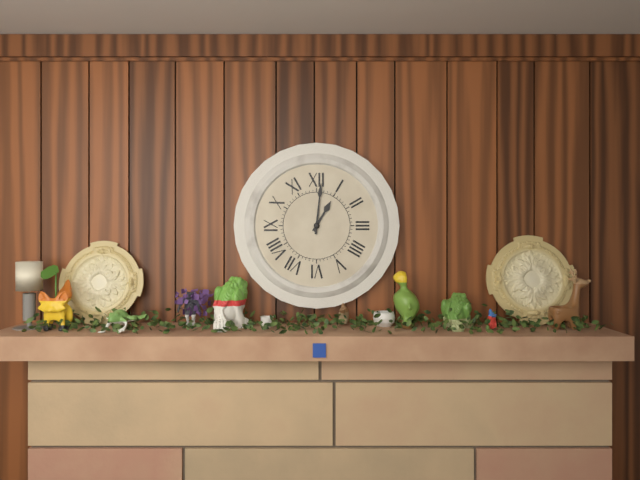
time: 1:01
